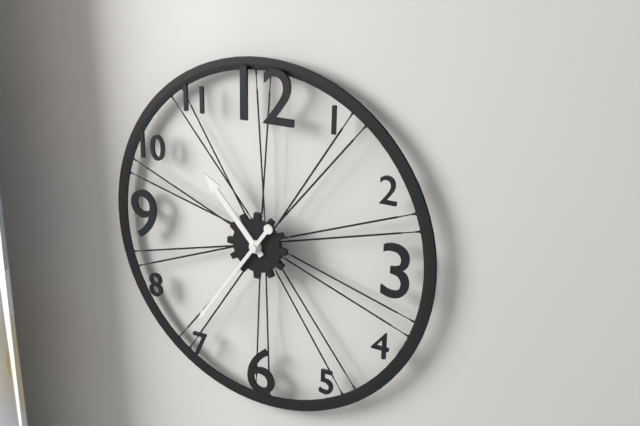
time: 10:36
